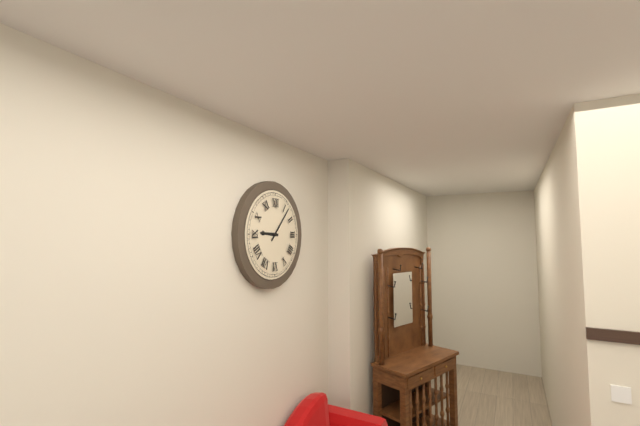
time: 9:07
